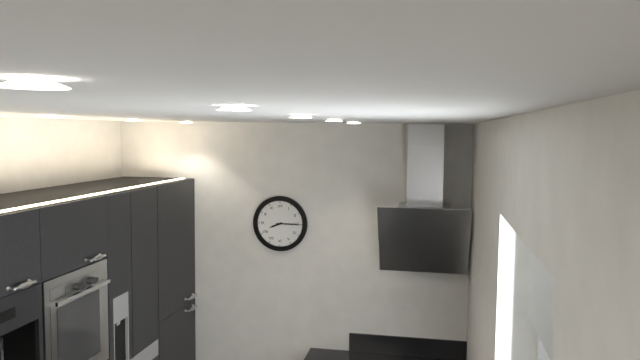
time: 8:15
